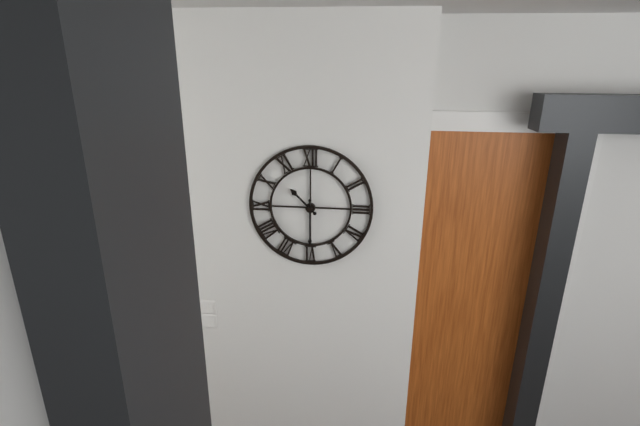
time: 10:30
